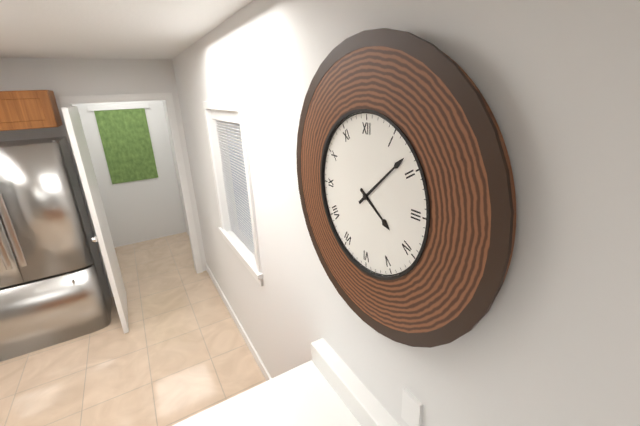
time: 4:08
